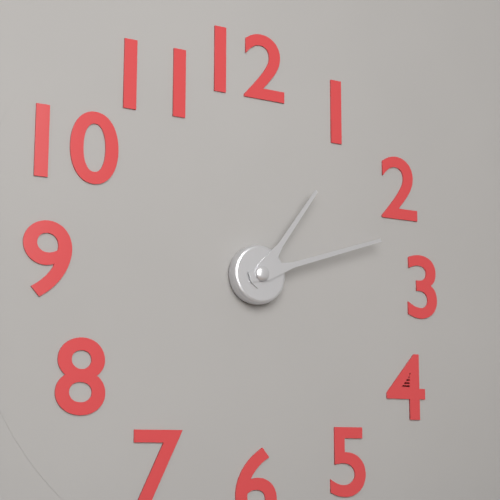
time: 1:12
